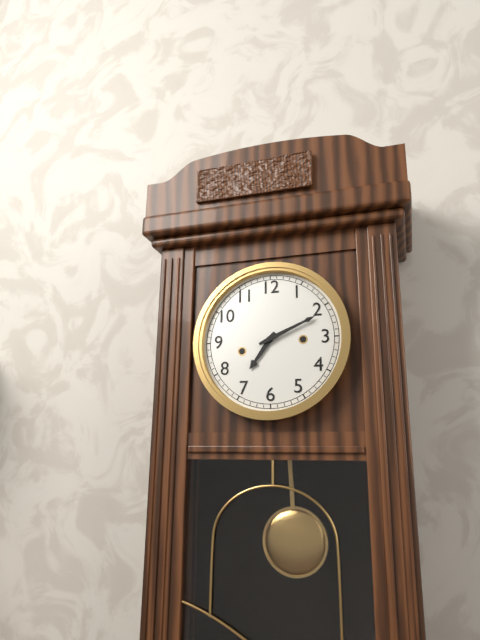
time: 7:11
